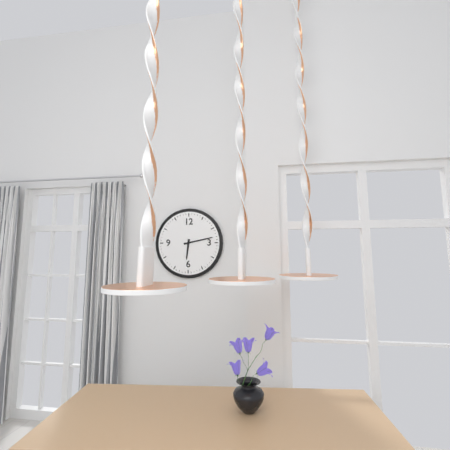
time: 6:13
